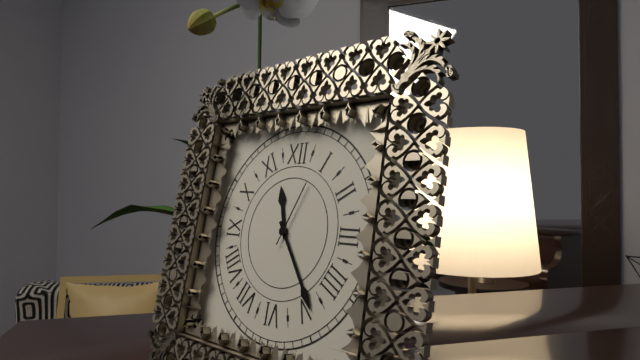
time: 11:24:04
